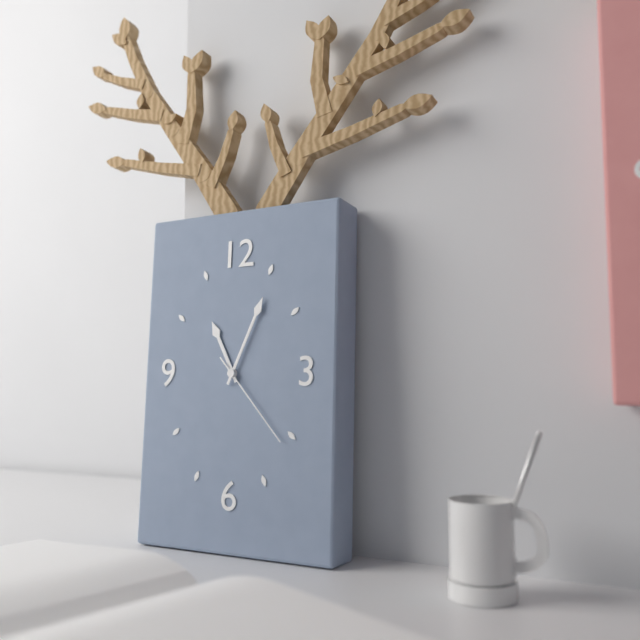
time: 11:04:23
